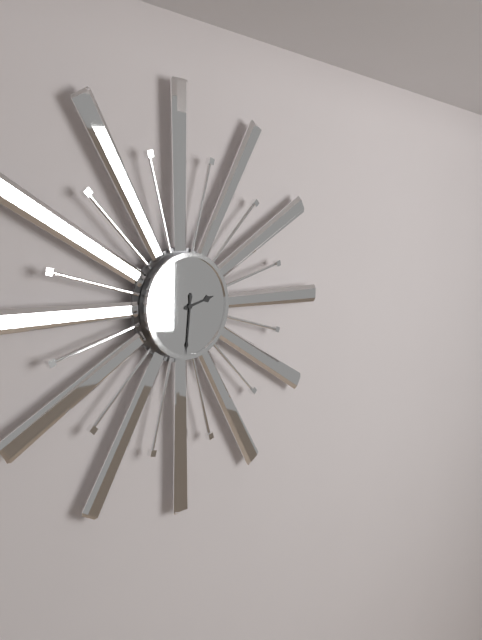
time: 2:31
